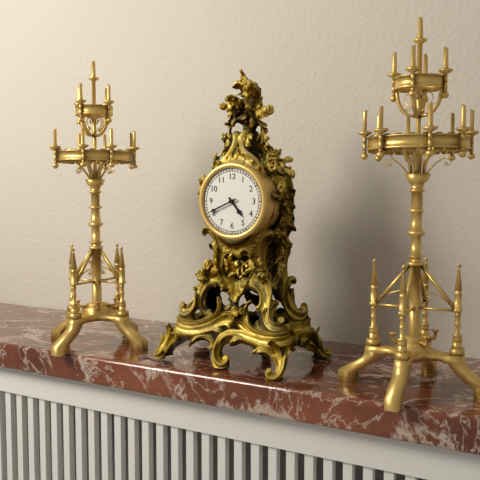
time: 4:41
